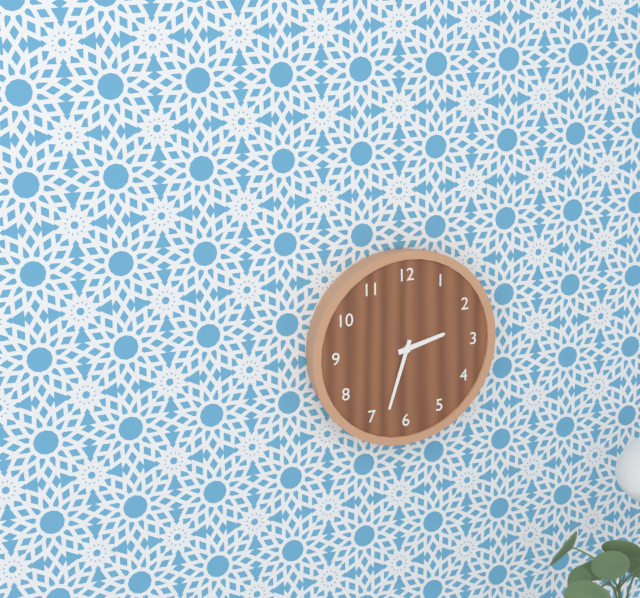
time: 2:33
